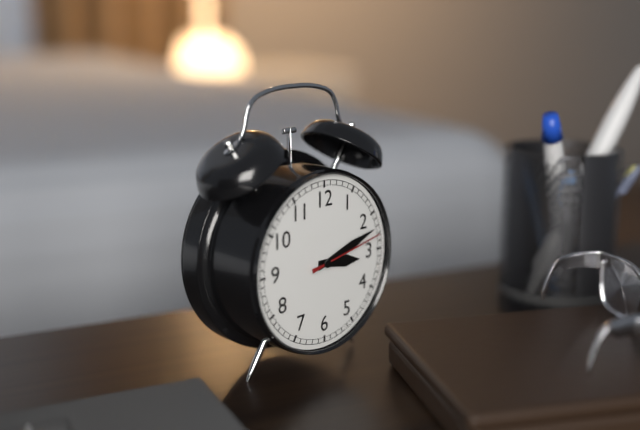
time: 3:12:13
